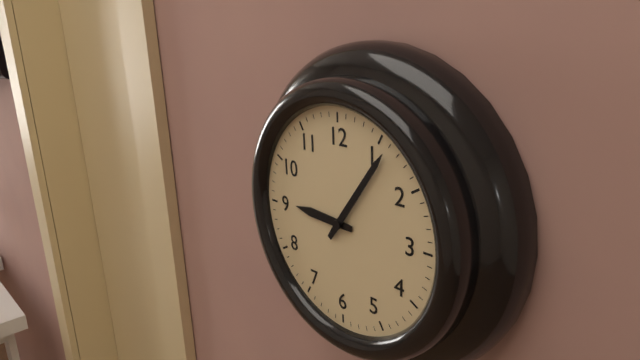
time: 9:06
